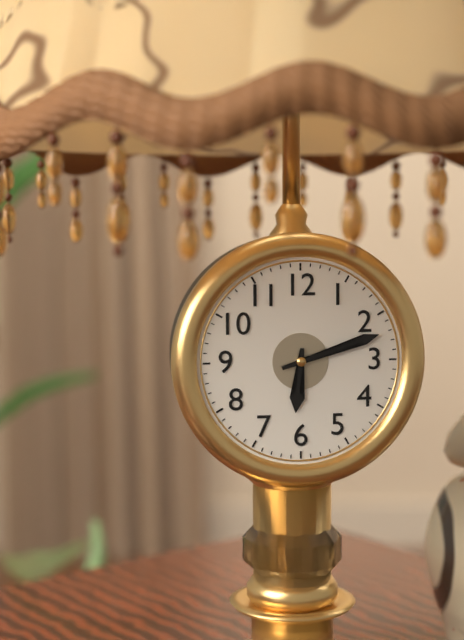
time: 6:12
